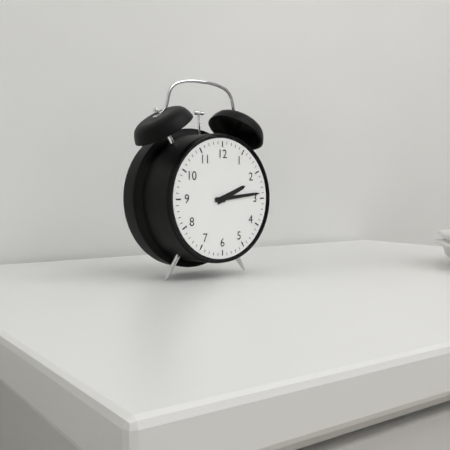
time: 2:14
